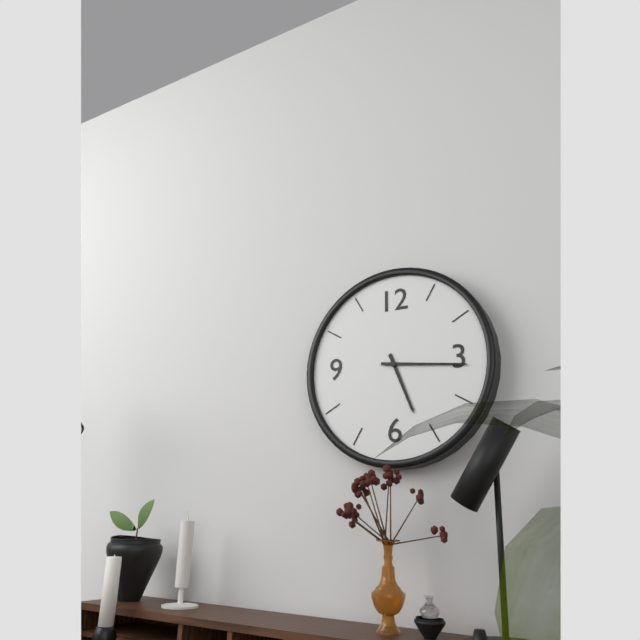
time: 5:16
